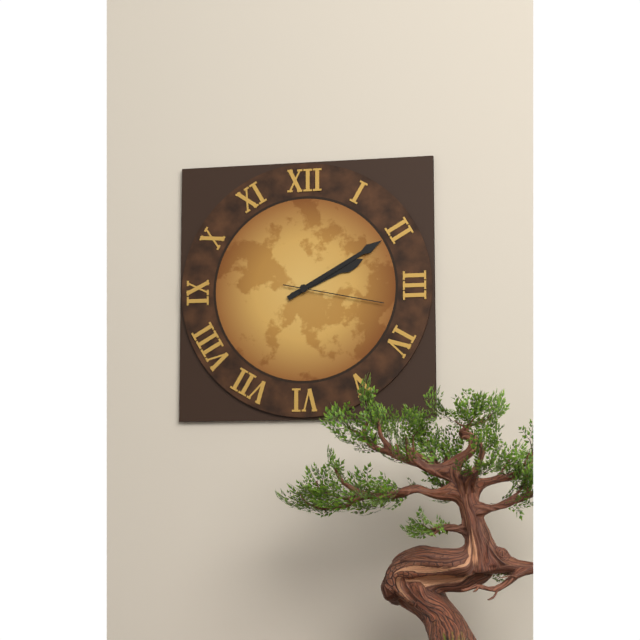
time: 2:10:17
